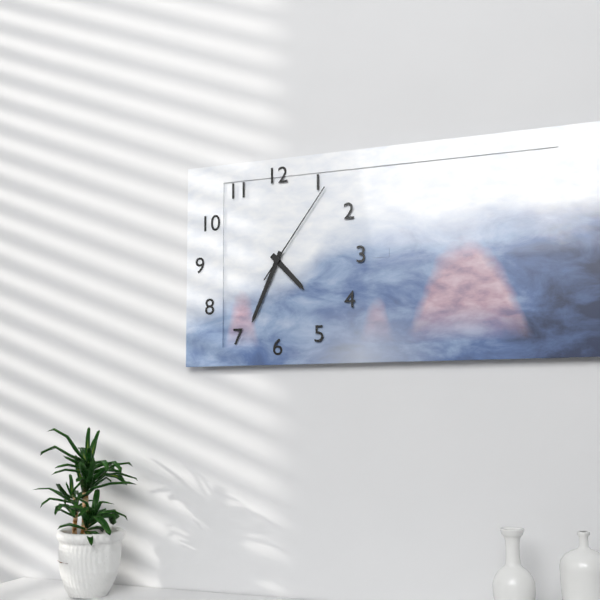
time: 4:34:06
